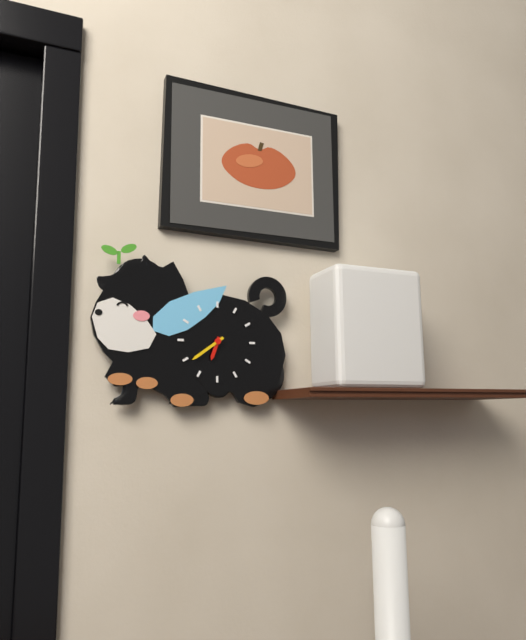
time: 6:39
